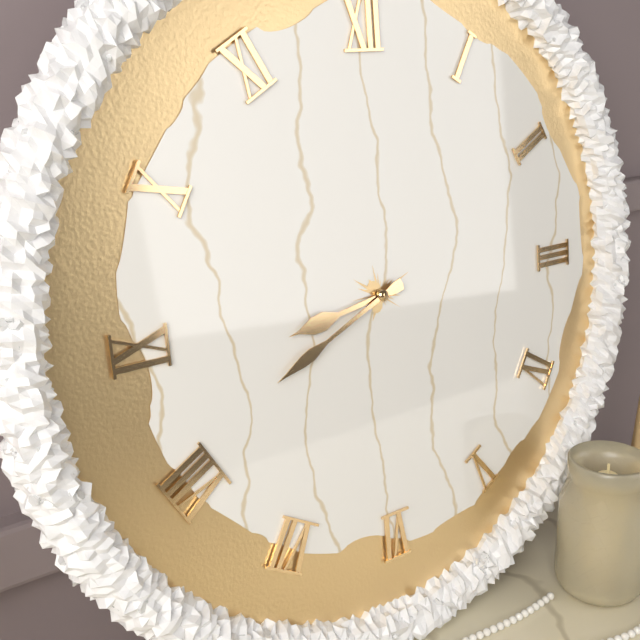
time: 8:41
